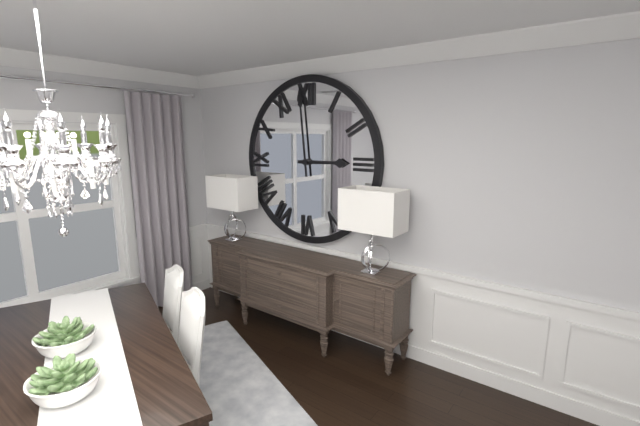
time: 2:59
